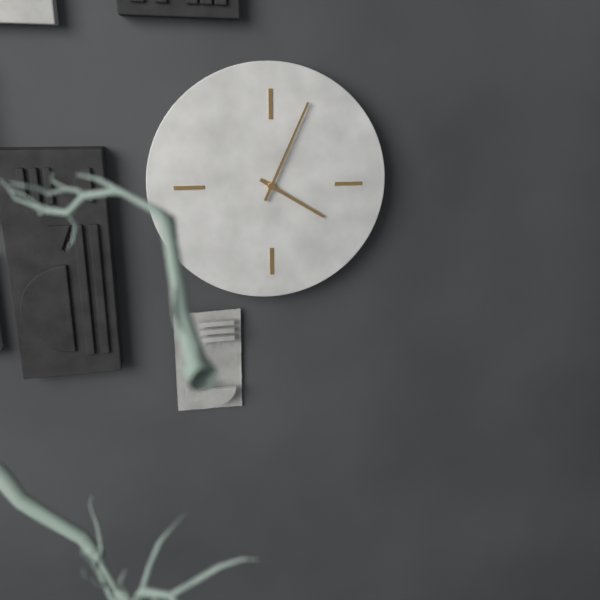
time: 4:04
